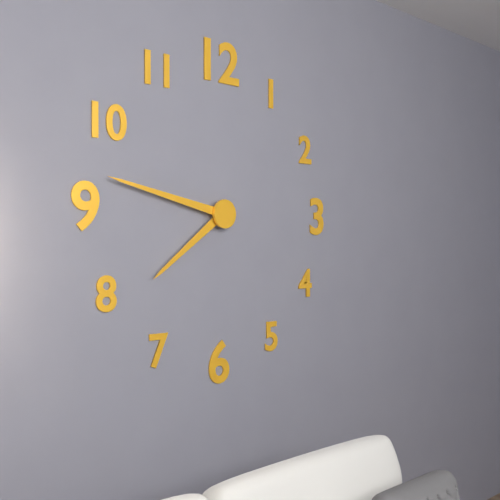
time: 7:47
